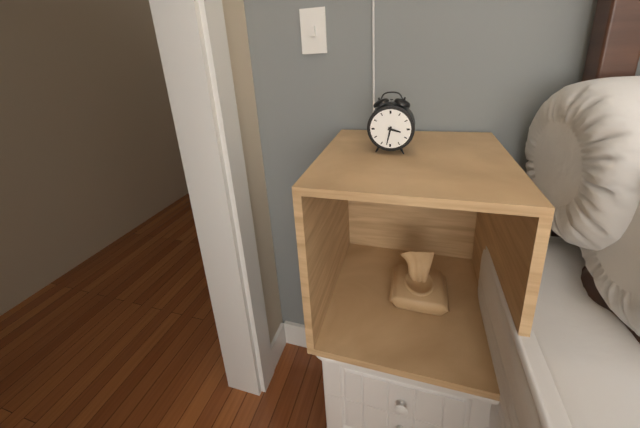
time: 3:32
